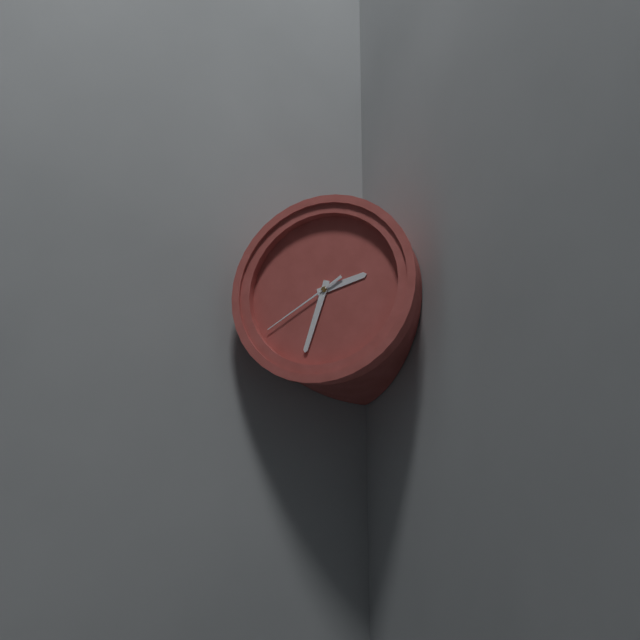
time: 2:33:40
